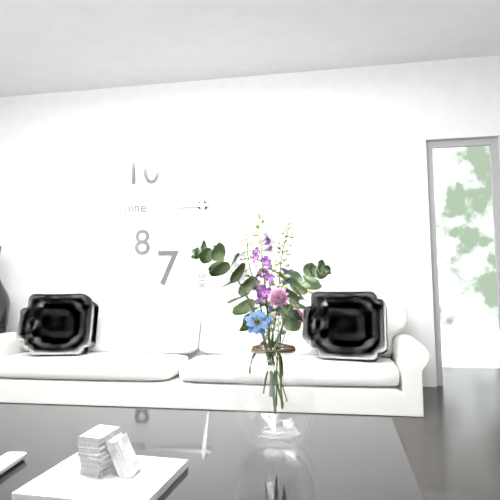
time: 5:45
